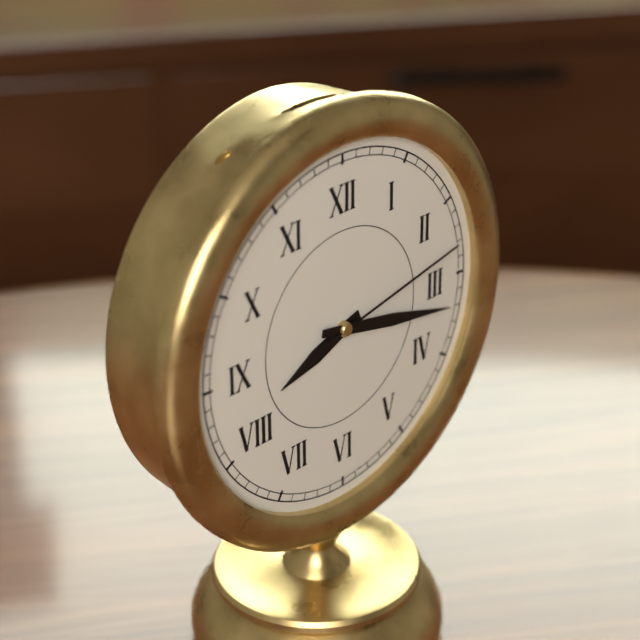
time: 8:17:13
